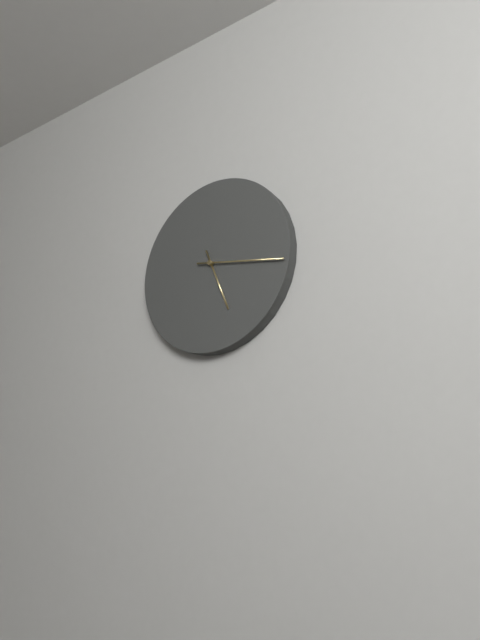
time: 5:17
